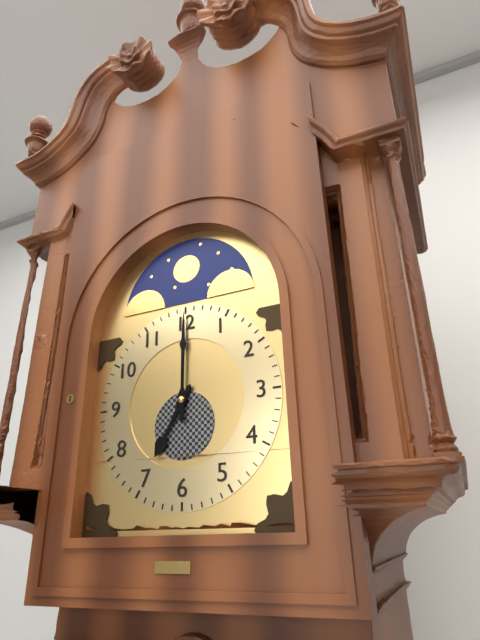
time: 7:00
